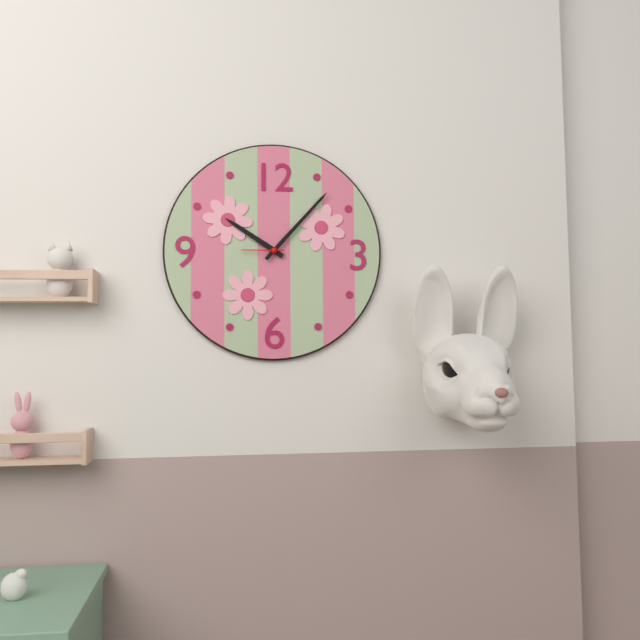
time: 10:07
